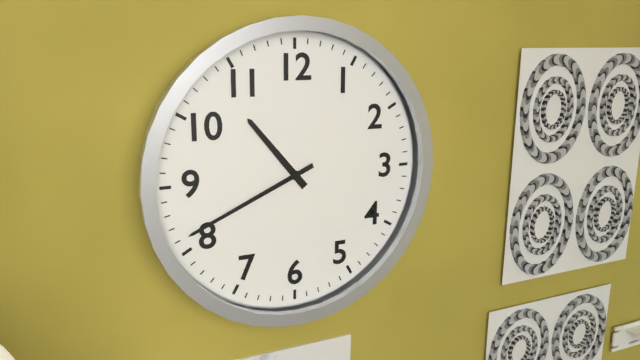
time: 10:41
